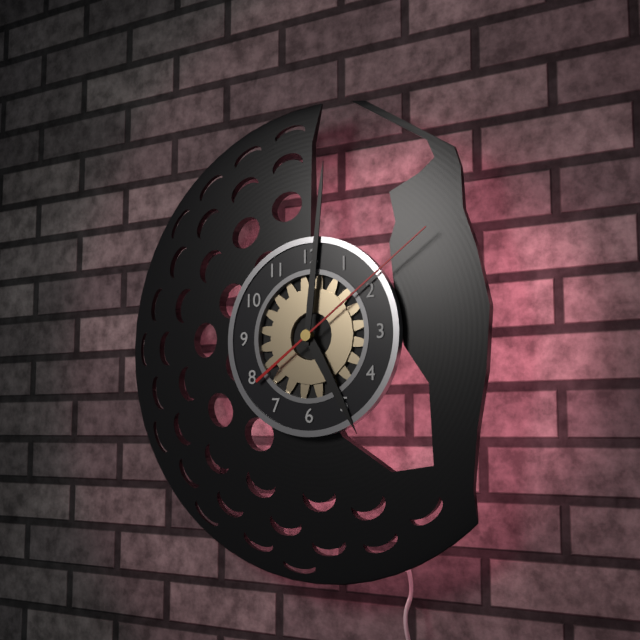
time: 5:01:09
